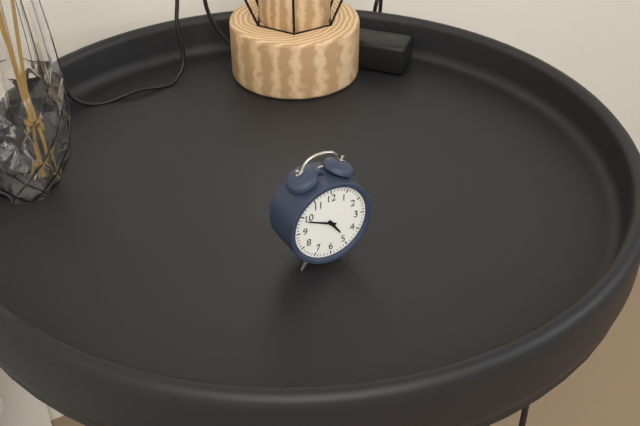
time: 4:49
